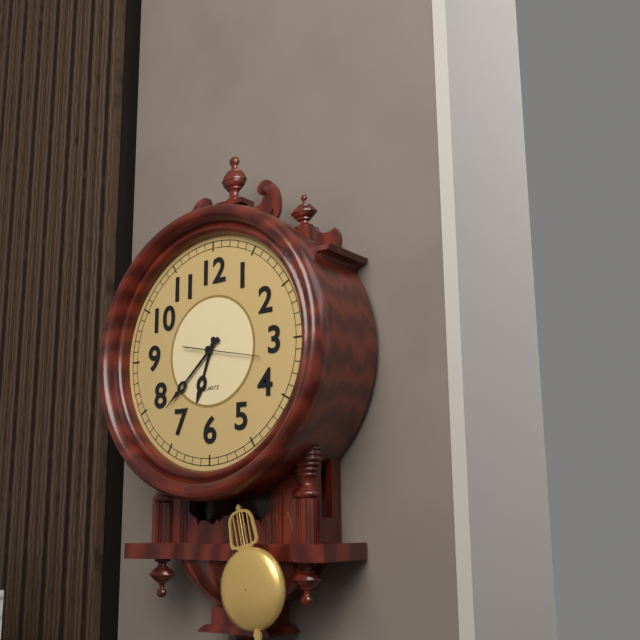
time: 6:38
